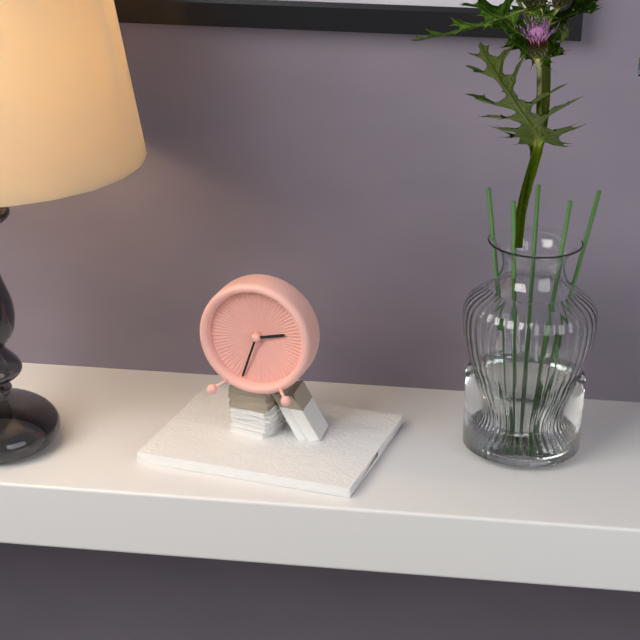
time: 2:33
